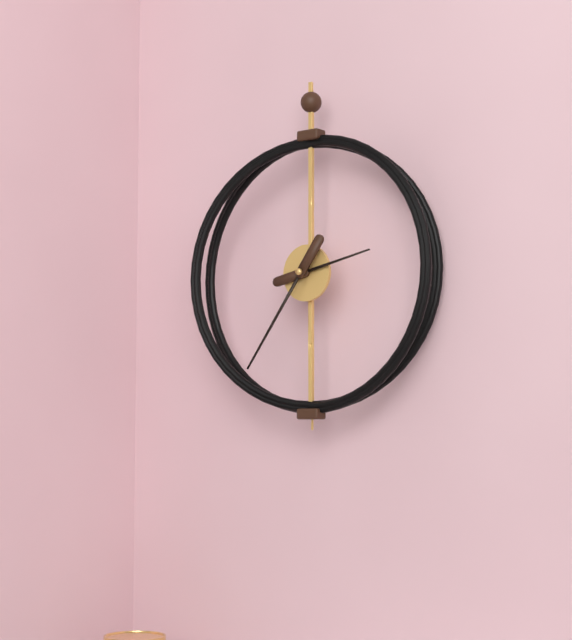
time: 2:36
